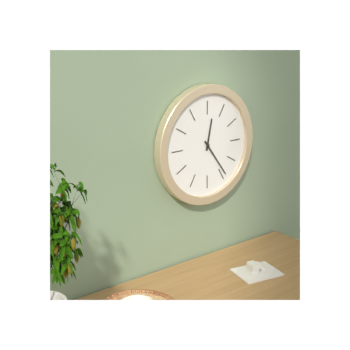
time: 12:24
